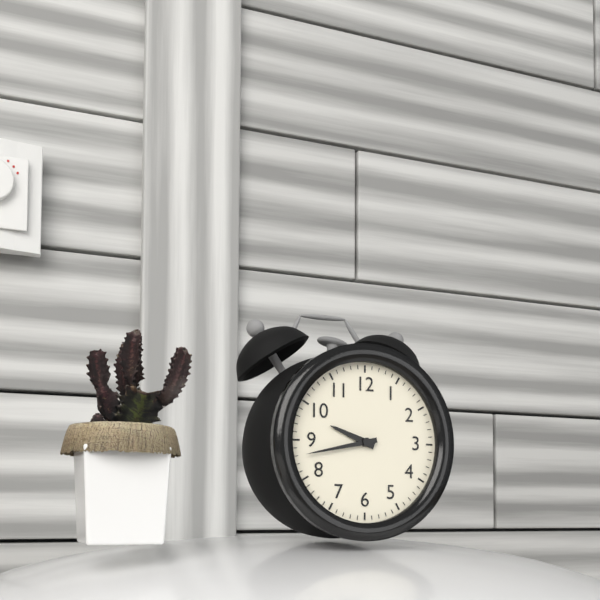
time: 9:43
